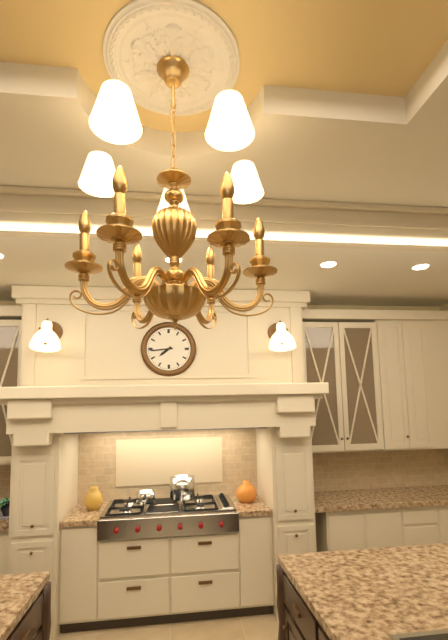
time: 7:44
